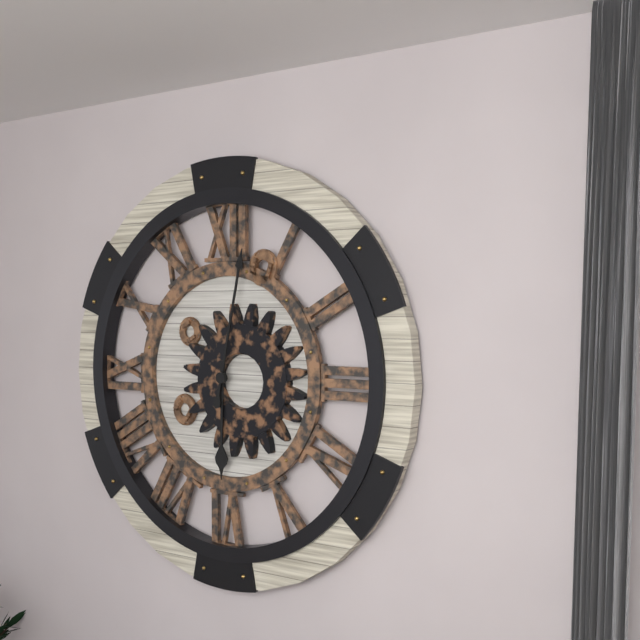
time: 6:02
